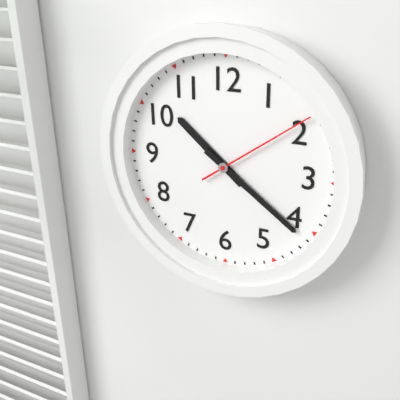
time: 10:21:09
